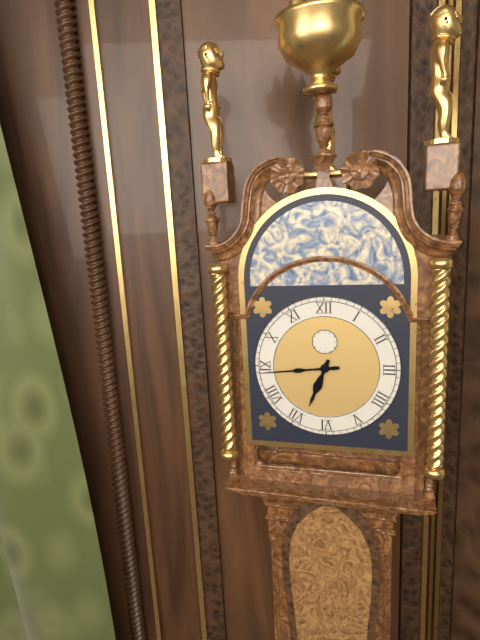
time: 6:44
